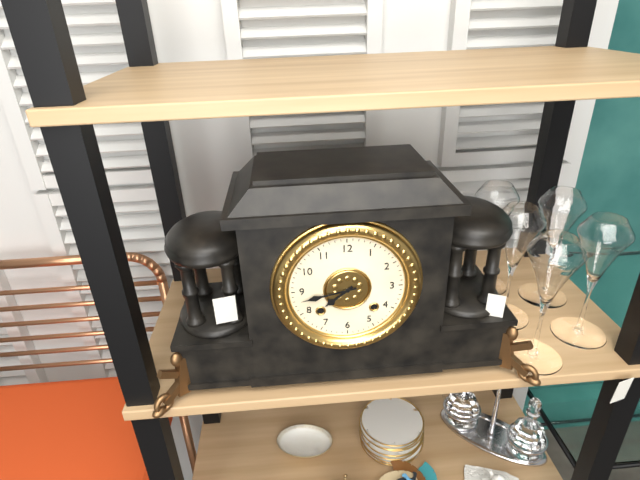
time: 7:43
